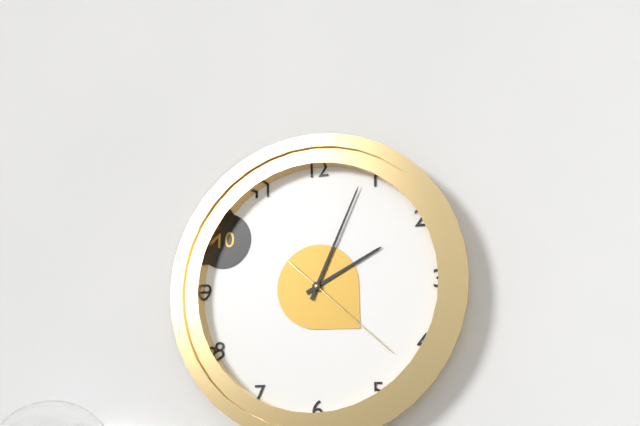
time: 2:04:22
